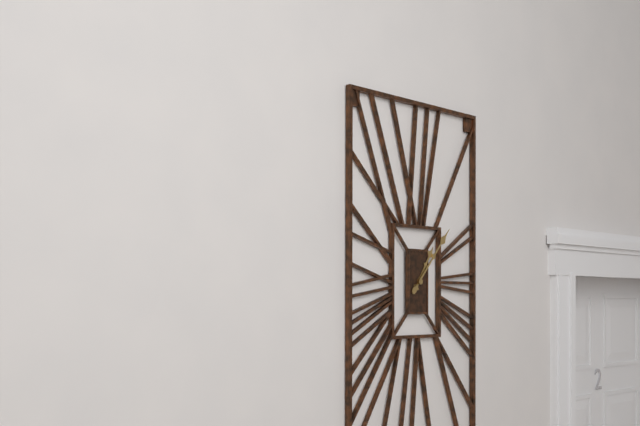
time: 1:07
